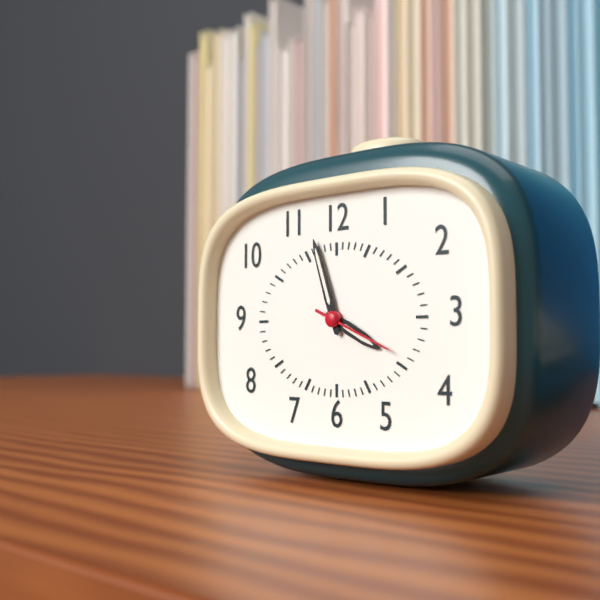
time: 3:57:19
